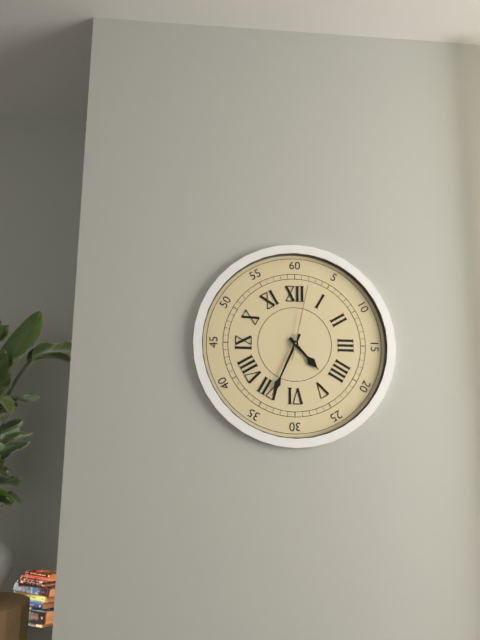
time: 4:34:02
